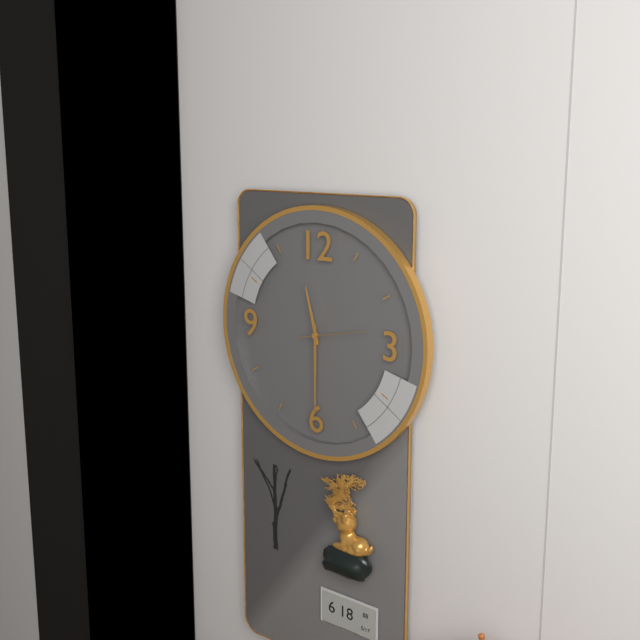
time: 11:30:13
